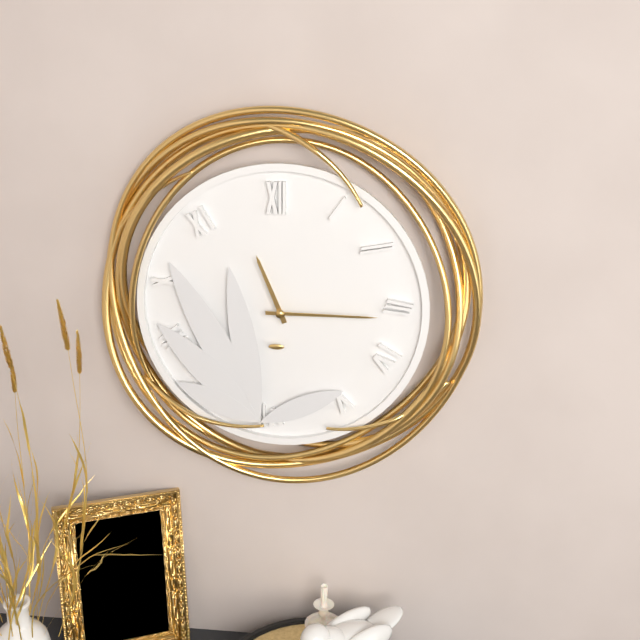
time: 11:15
